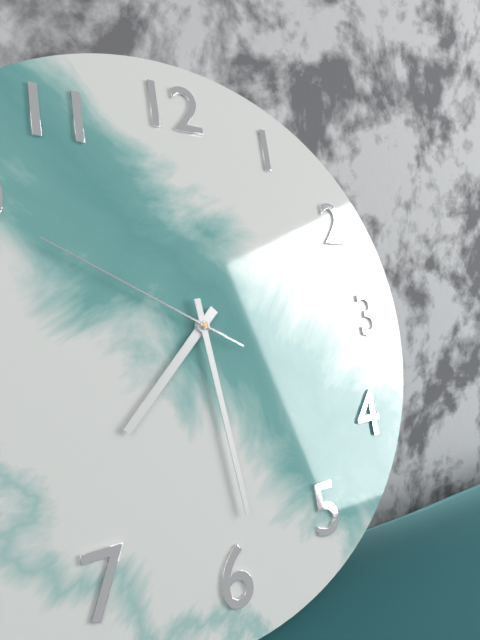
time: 7:29:50
